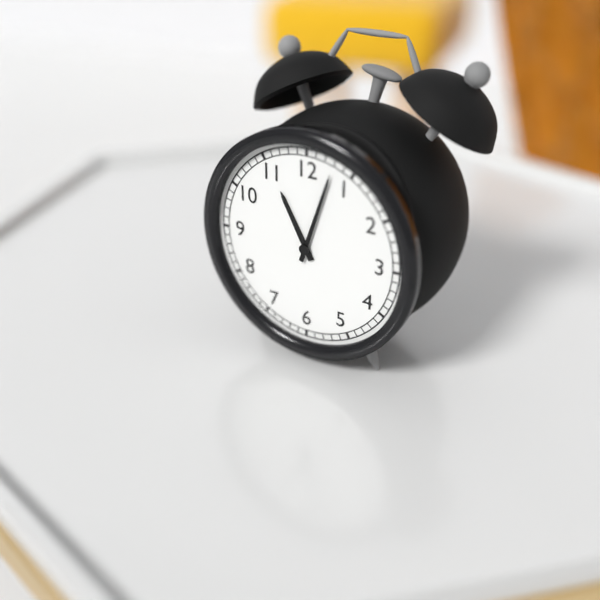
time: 11:03
